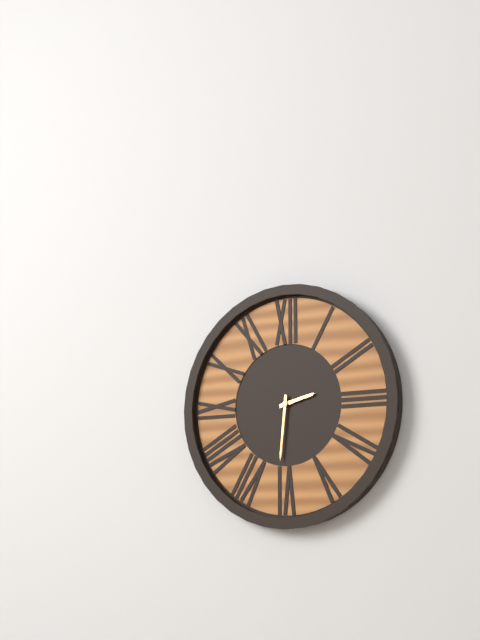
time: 2:31
